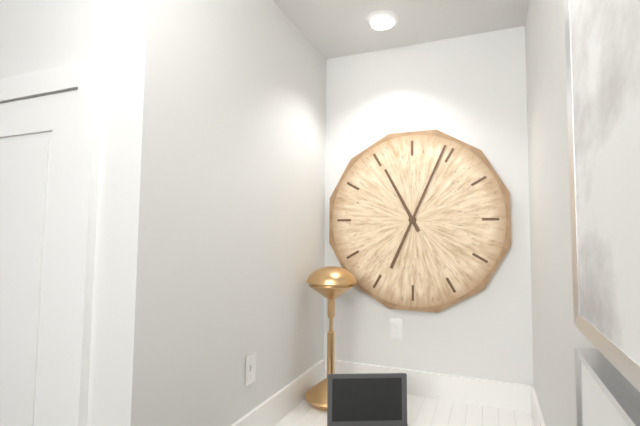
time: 11:04
